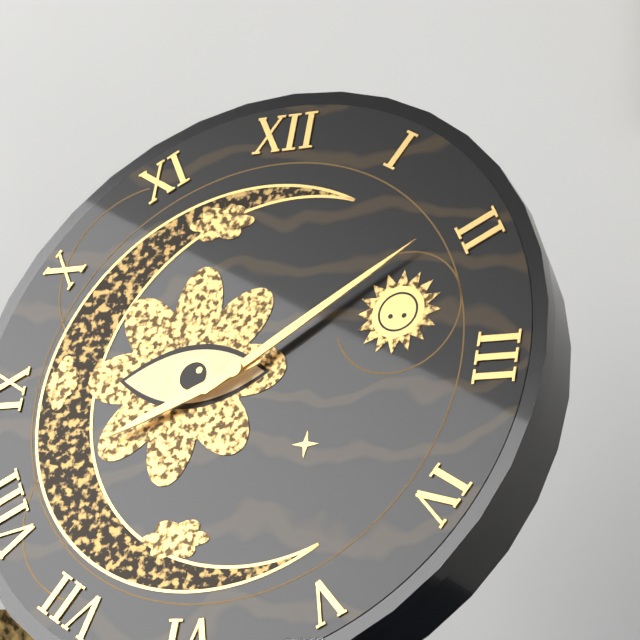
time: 8:09
